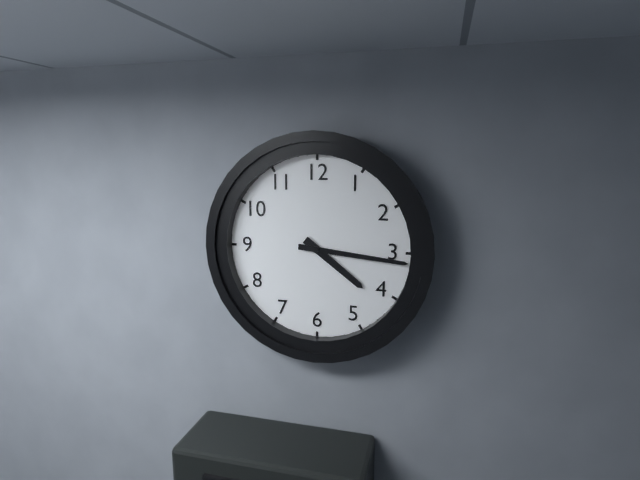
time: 4:16
